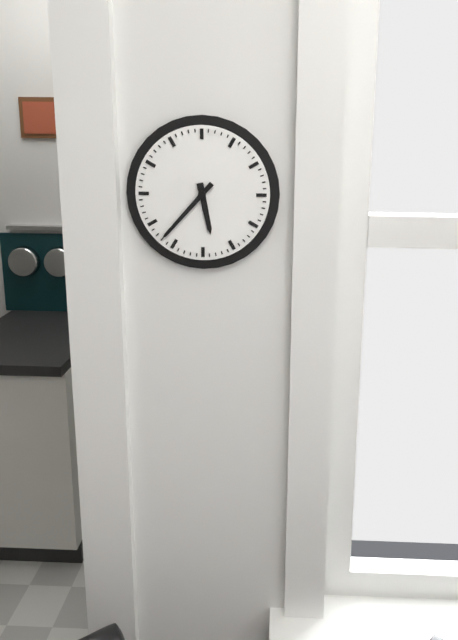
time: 5:37
